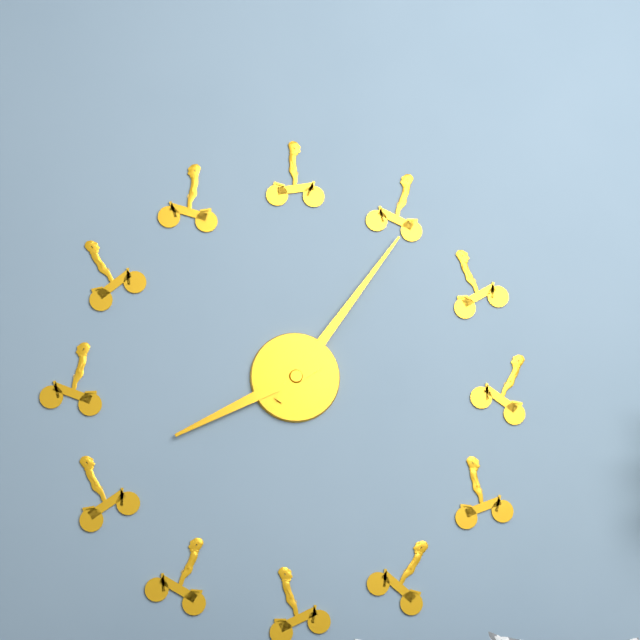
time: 8:06
